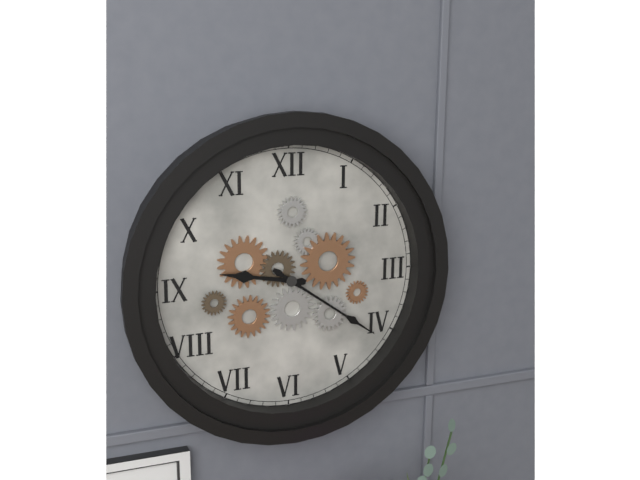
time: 9:21
